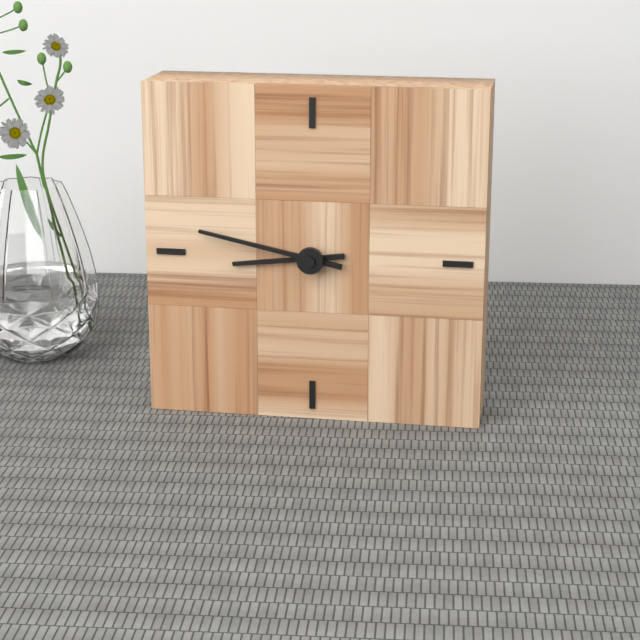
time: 8:47
